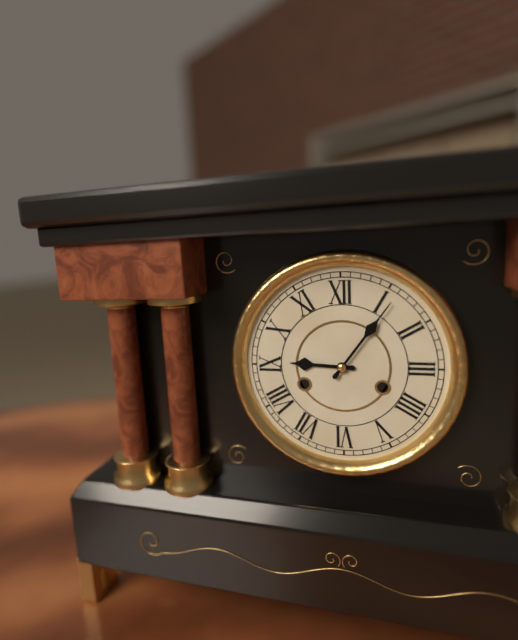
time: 9:06
